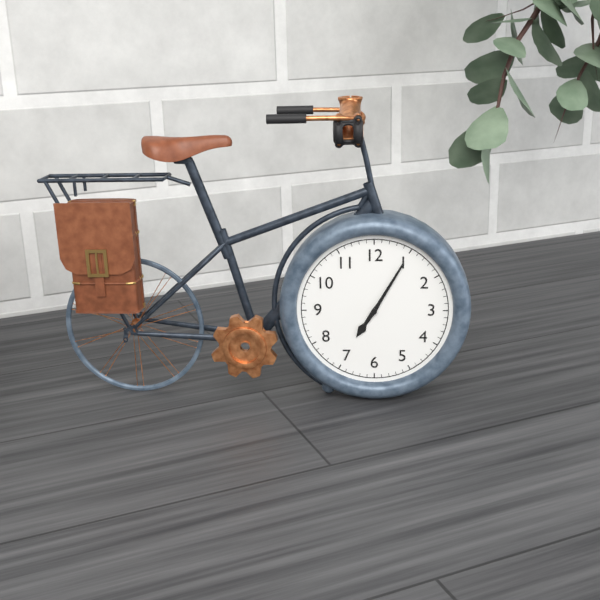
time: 7:05
